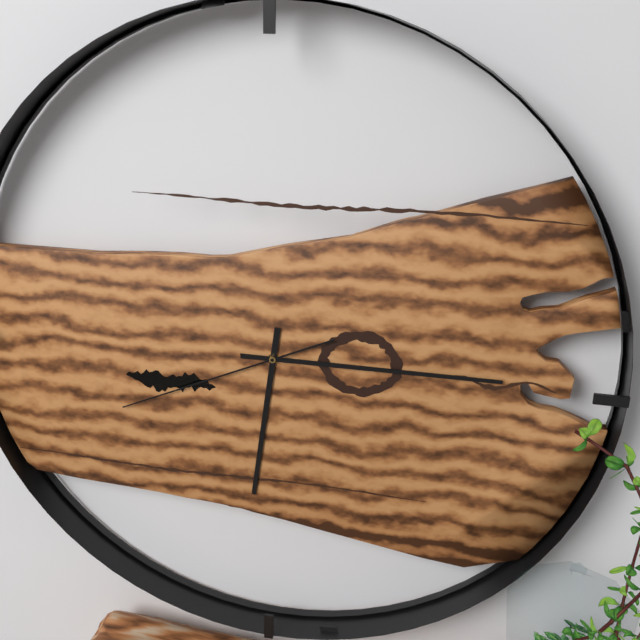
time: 6:15:41
